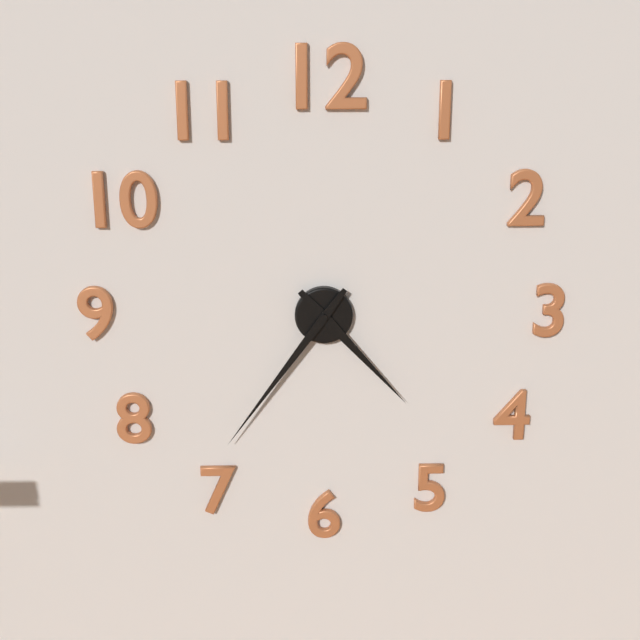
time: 4:36
